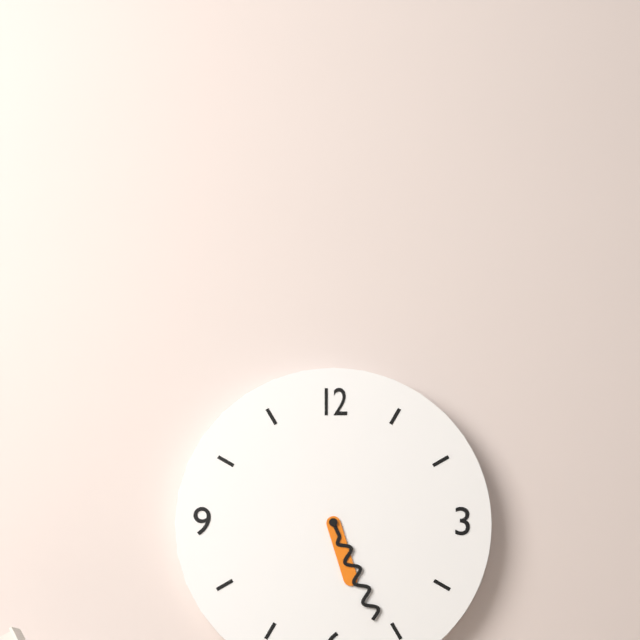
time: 5:26
